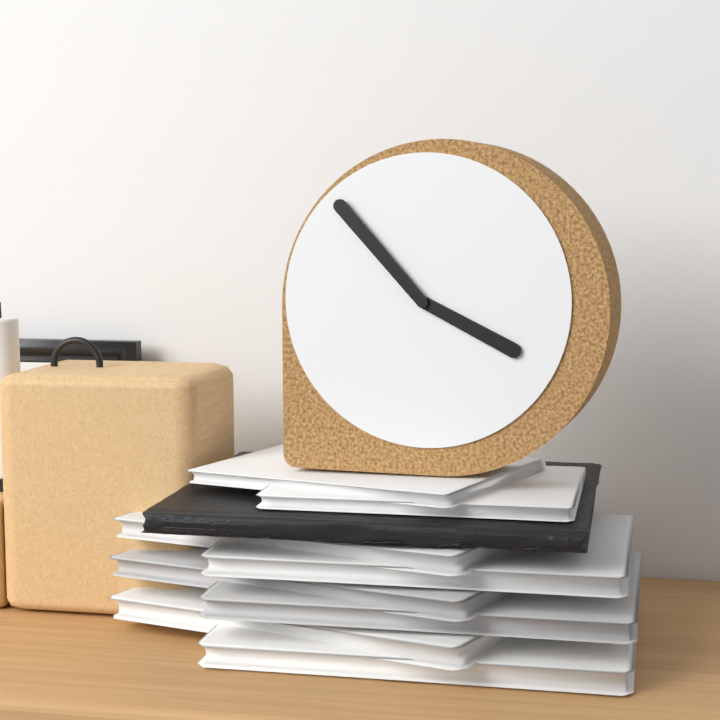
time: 3:53
